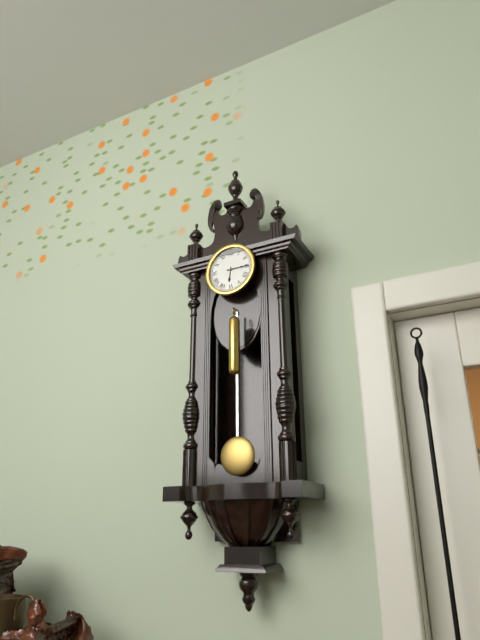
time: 6:15
